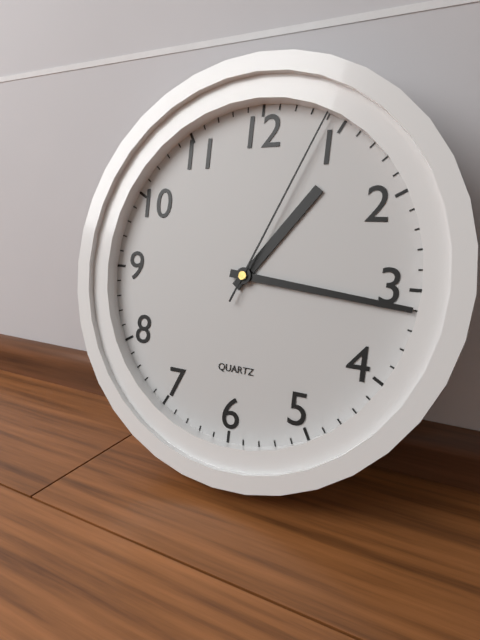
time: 1:16:04
